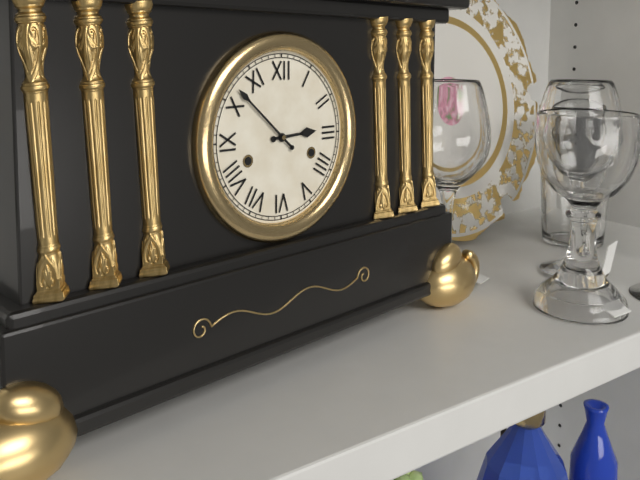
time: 2:52
